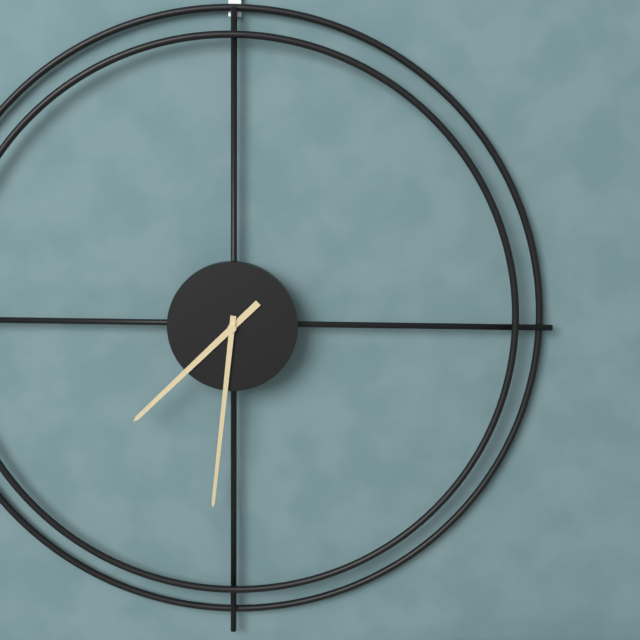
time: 7:31
